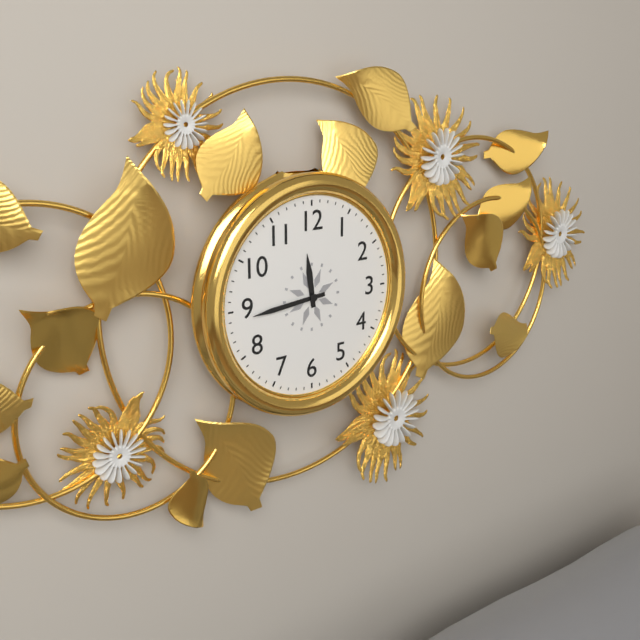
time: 11:44
